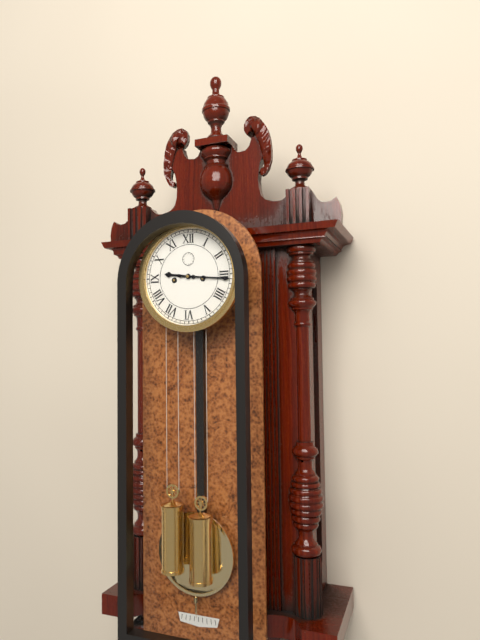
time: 9:16
